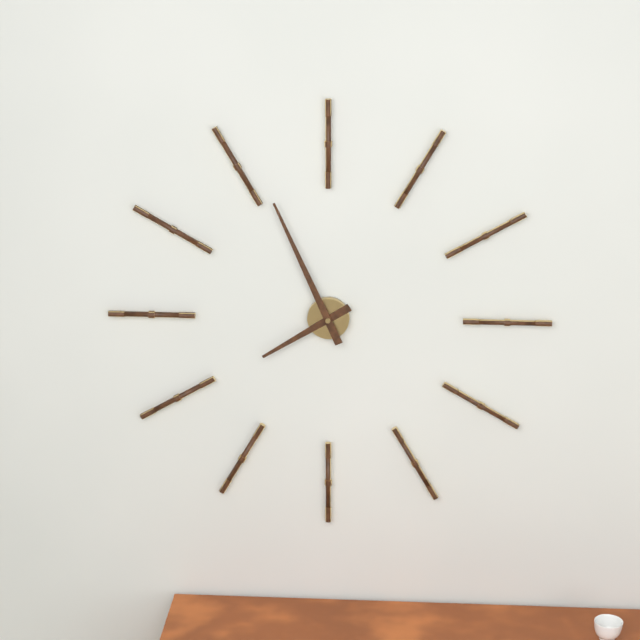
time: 7:56
